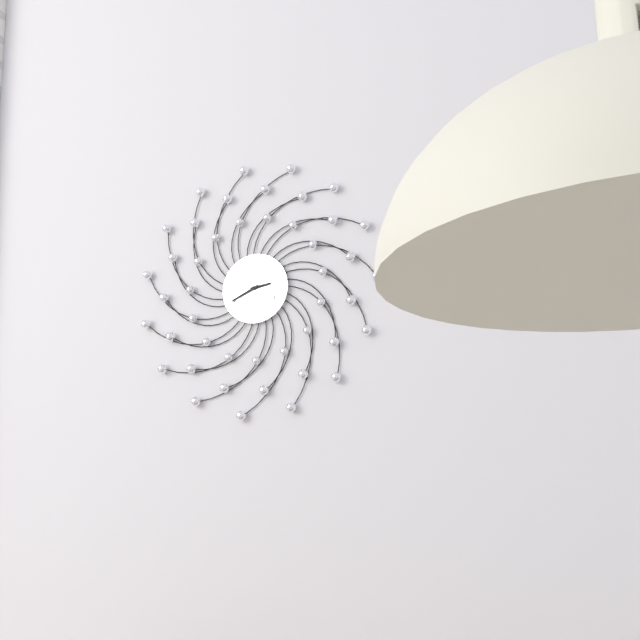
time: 2:41
